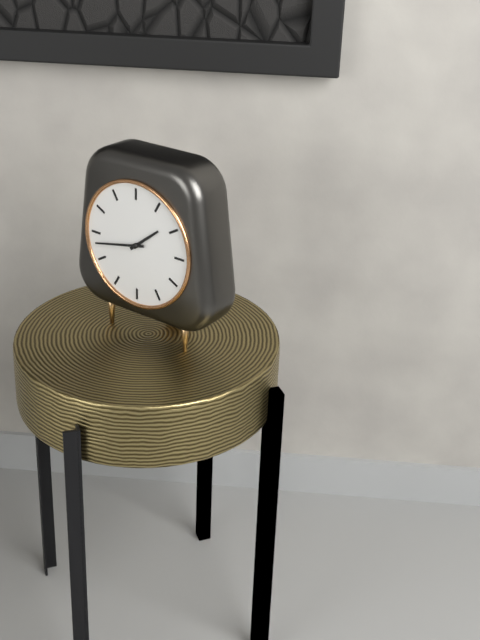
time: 1:43
